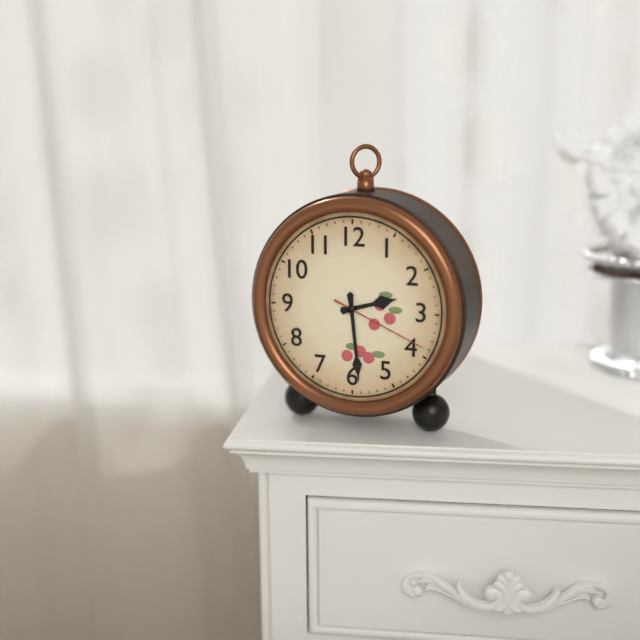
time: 2:29:19
